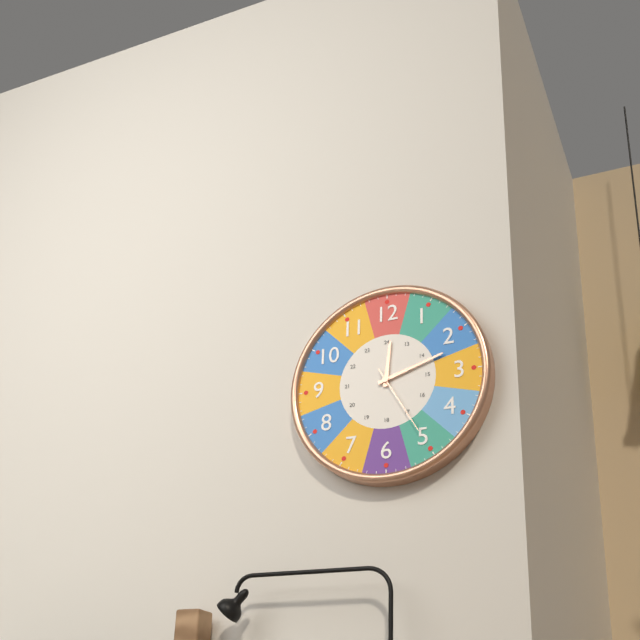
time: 12:12:25
